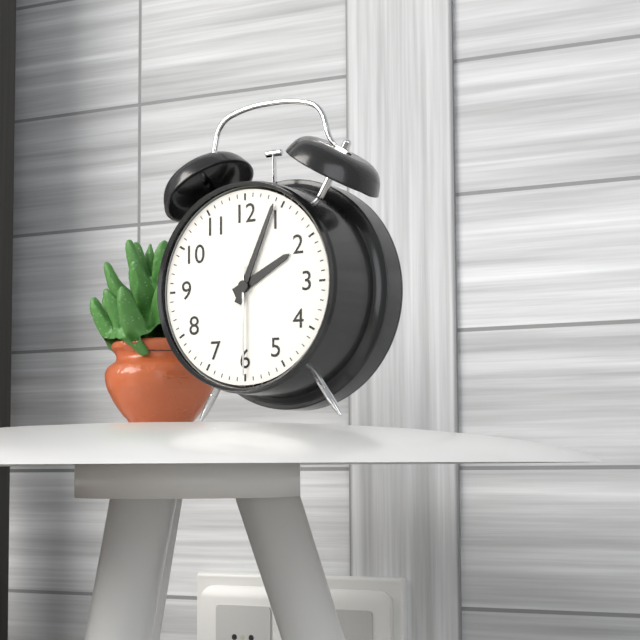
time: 2:04:30
